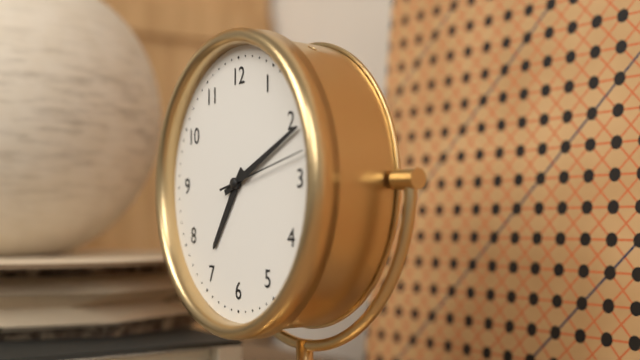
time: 7:11:13
